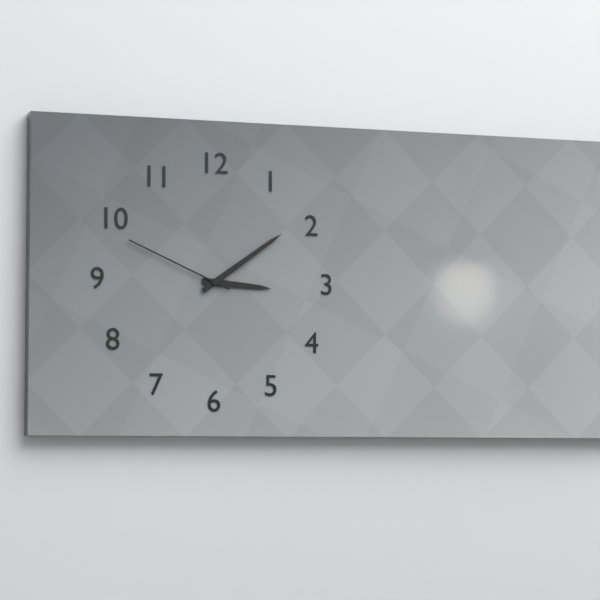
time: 3:09:49
